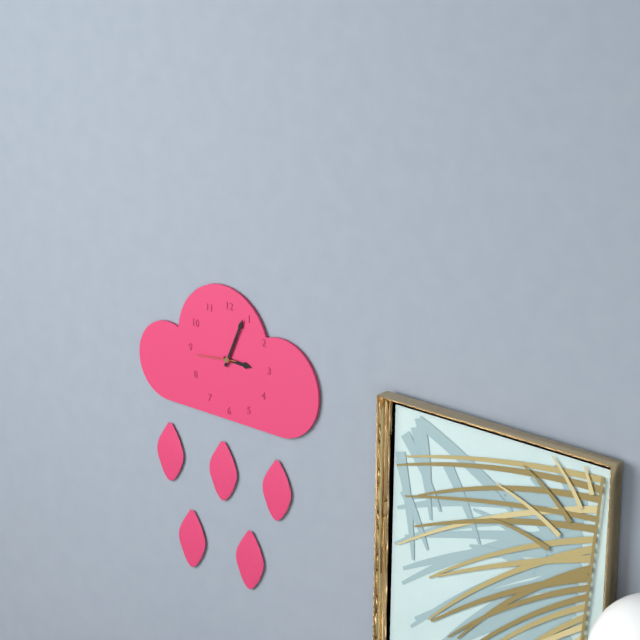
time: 3:04
